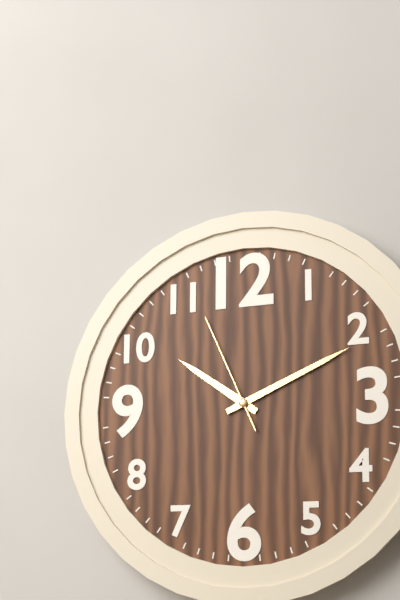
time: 10:11:56
